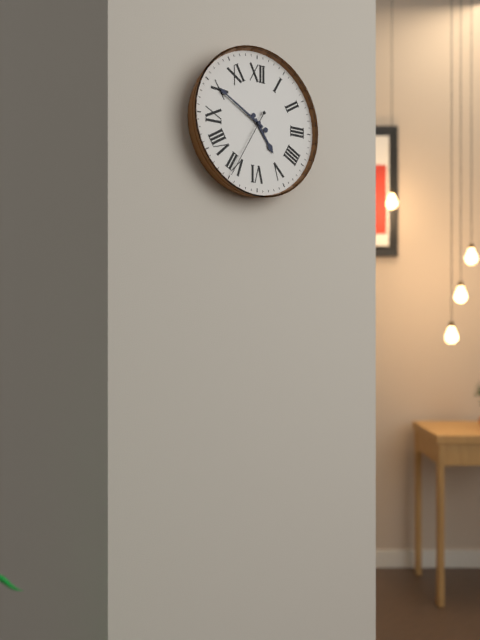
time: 4:50:35
